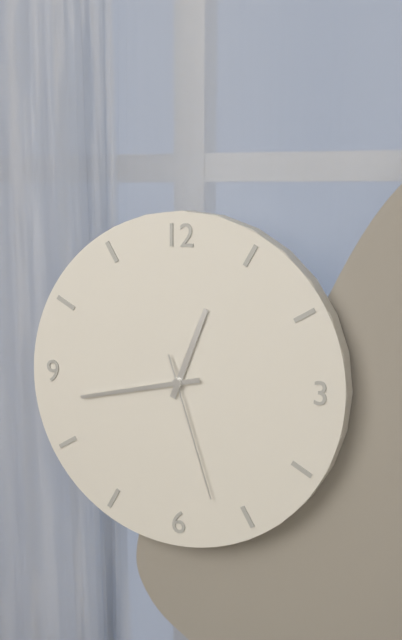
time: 12:43:27
